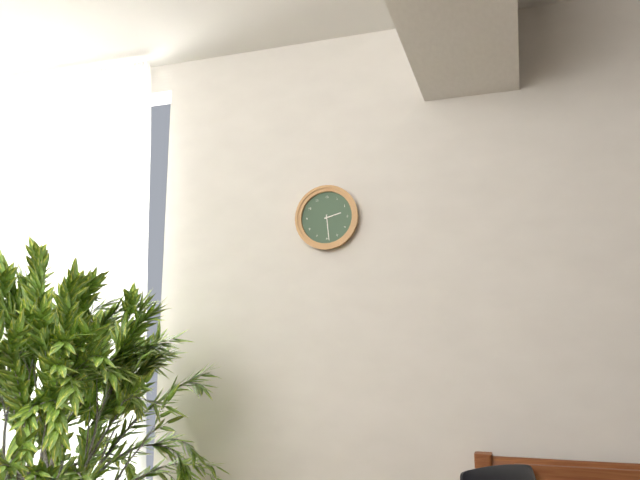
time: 2:29
